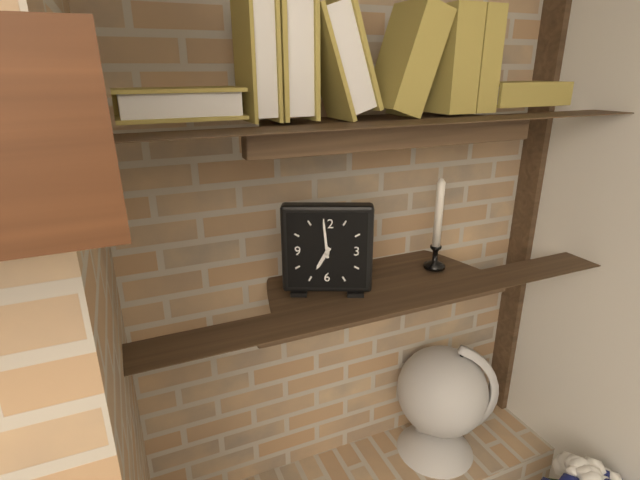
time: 6:59
